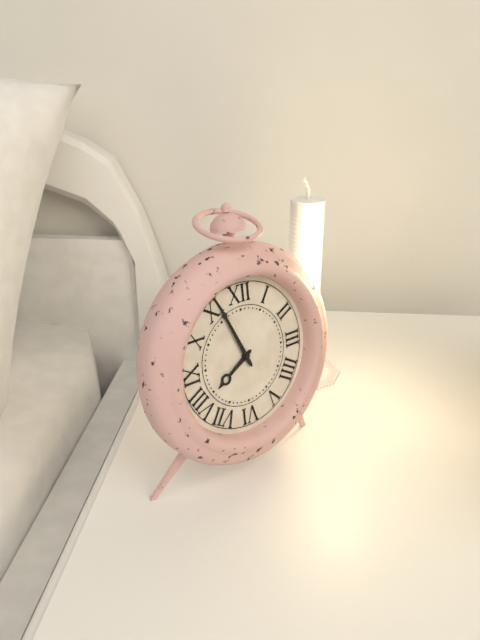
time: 7:56
